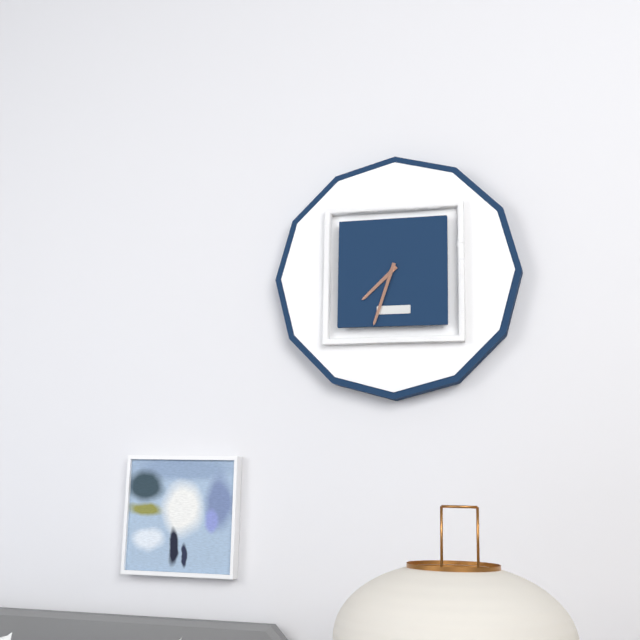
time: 7:33
